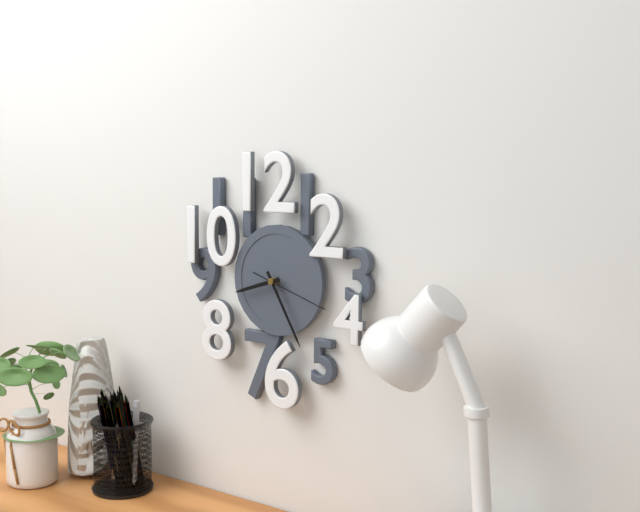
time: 8:25:18
